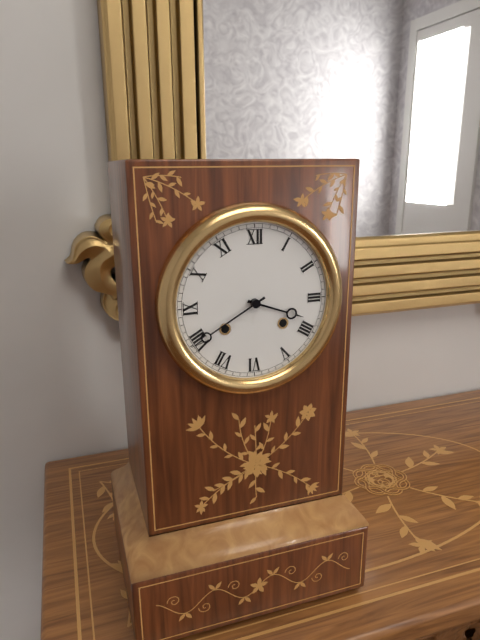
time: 3:40
